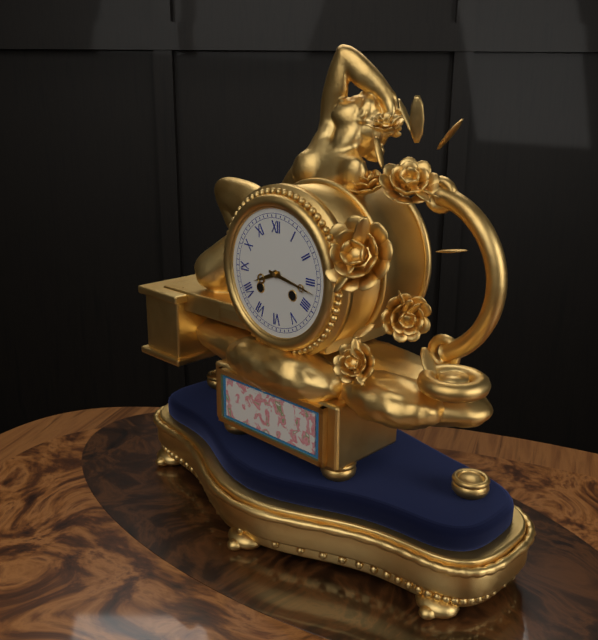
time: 8:17
